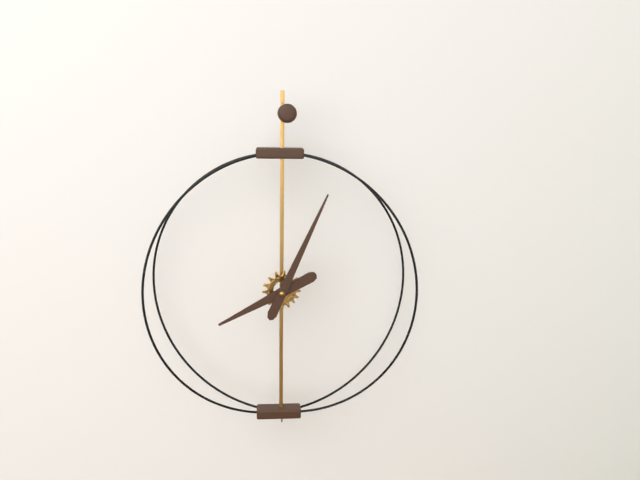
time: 8:04
